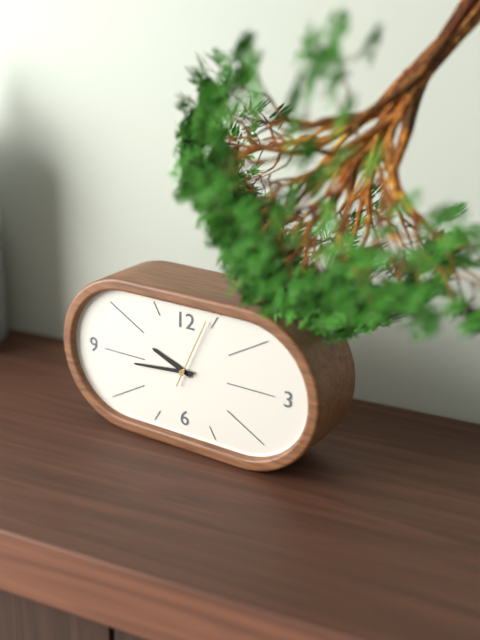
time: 9:44:04
